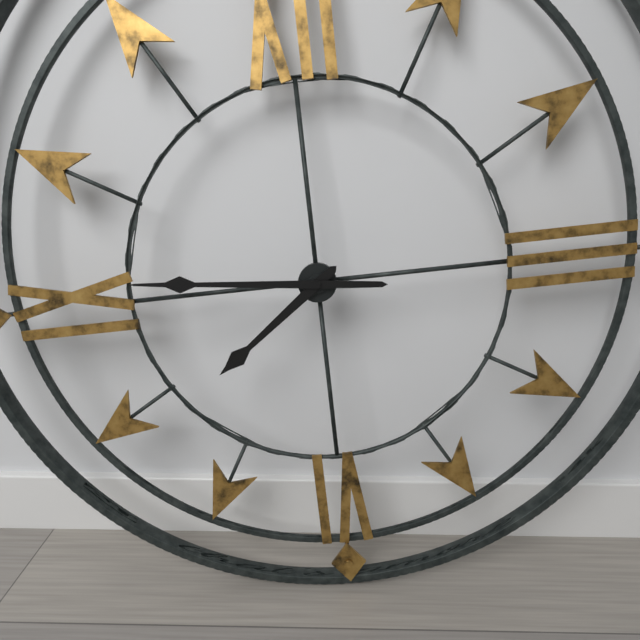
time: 7:46
